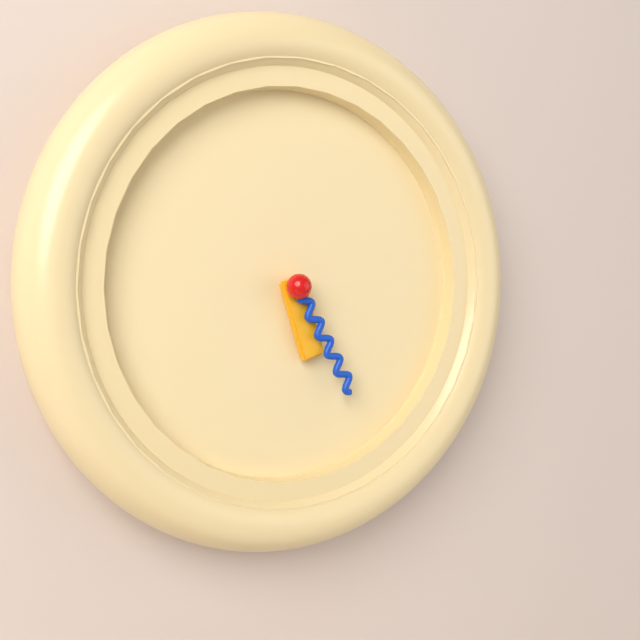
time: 5:25
